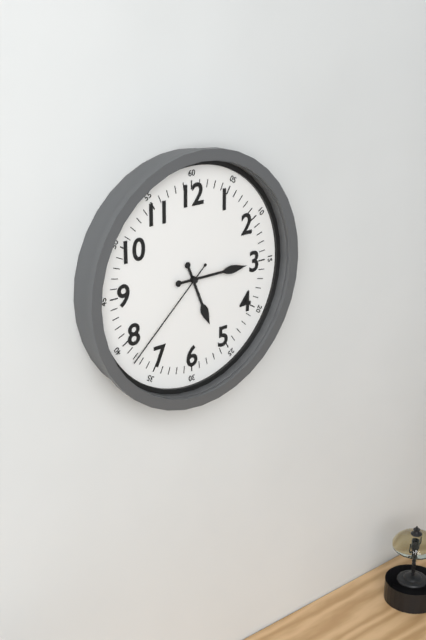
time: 5:15:38
